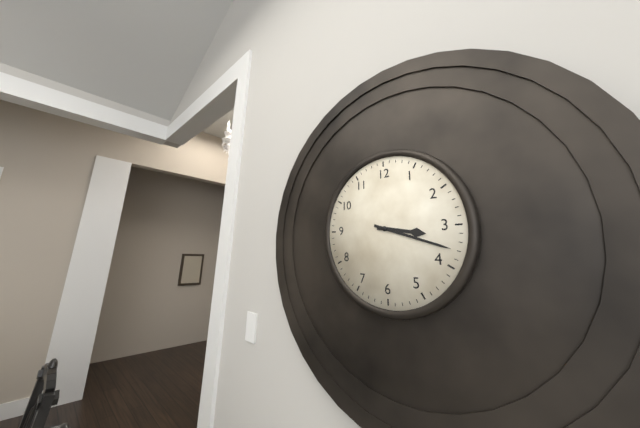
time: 3:18
